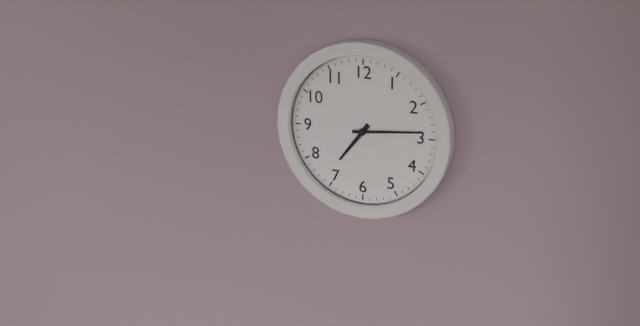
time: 7:14
